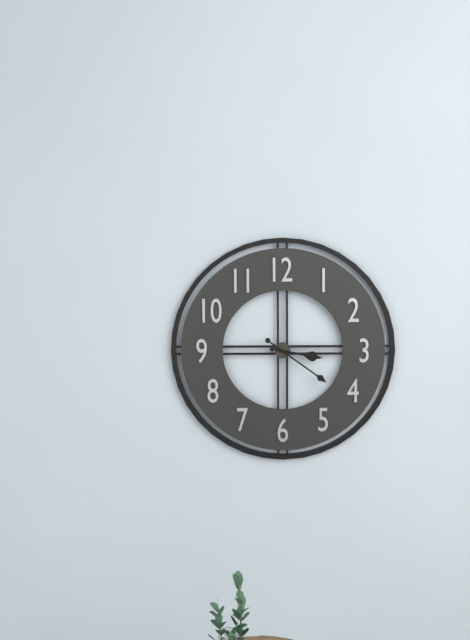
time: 3:21
